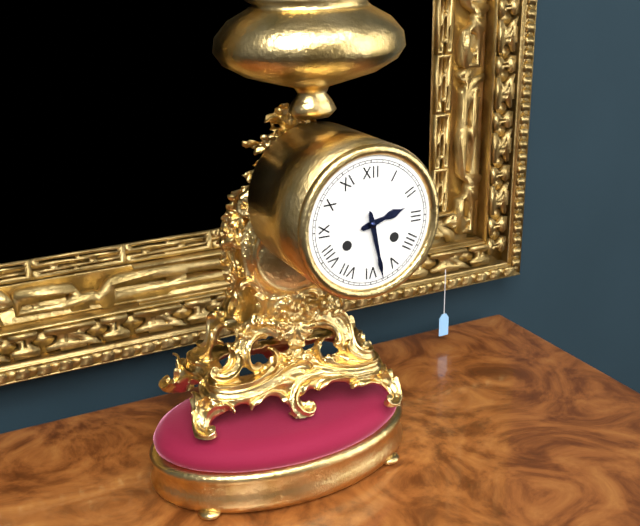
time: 2:28
